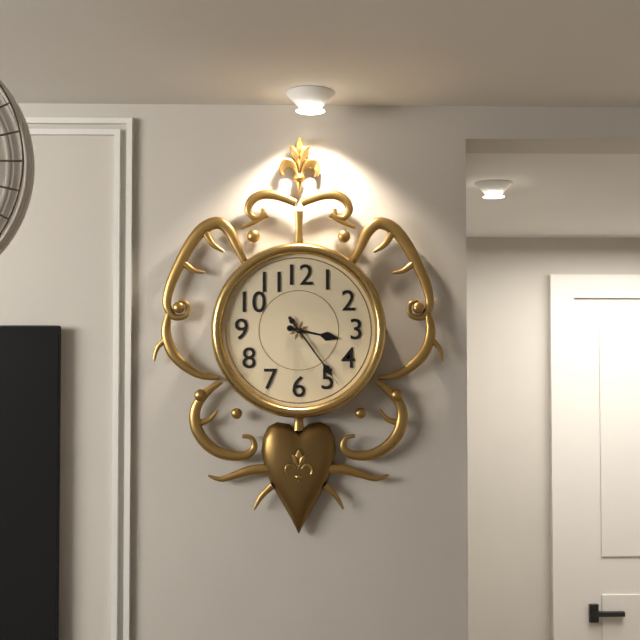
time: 3:24:24
